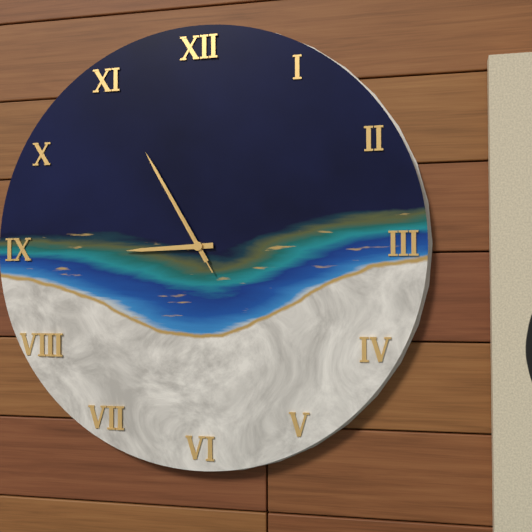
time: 8:55:55
